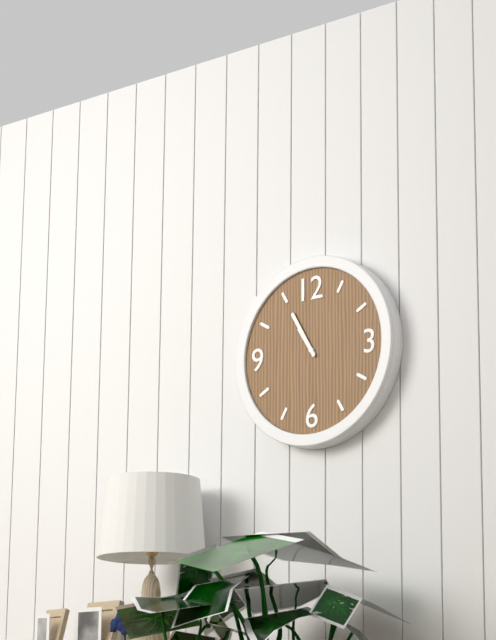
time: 10:55
